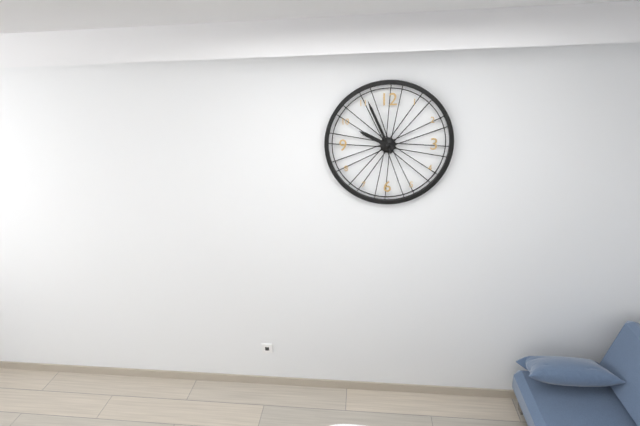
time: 9:56
